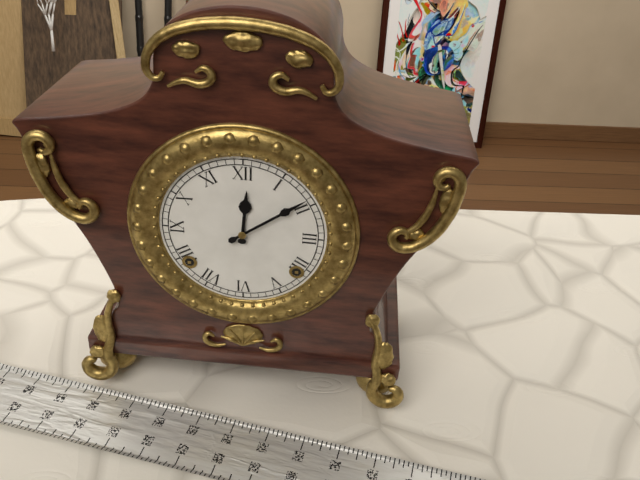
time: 12:09
